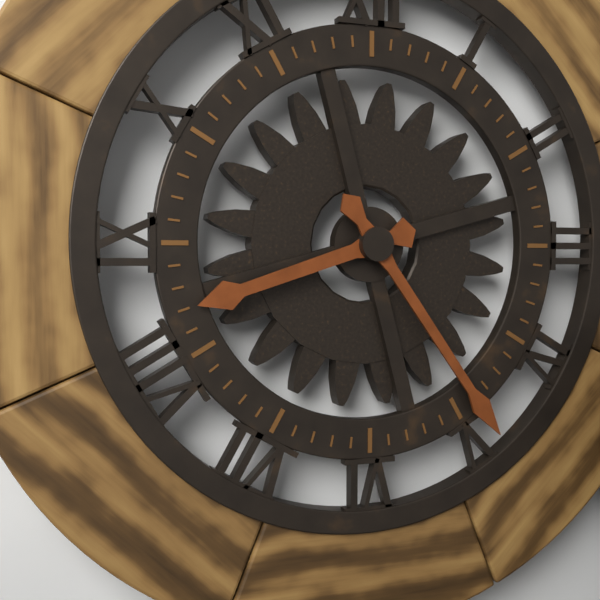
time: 8:24
